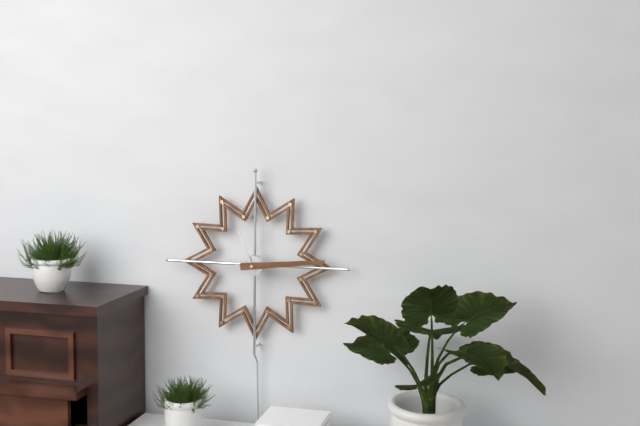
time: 11:14
